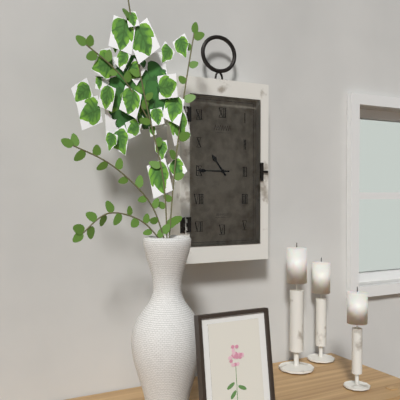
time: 10:45
